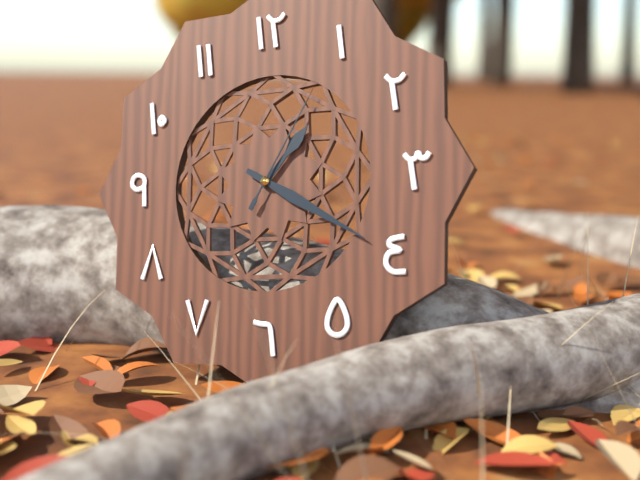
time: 1:20:05
